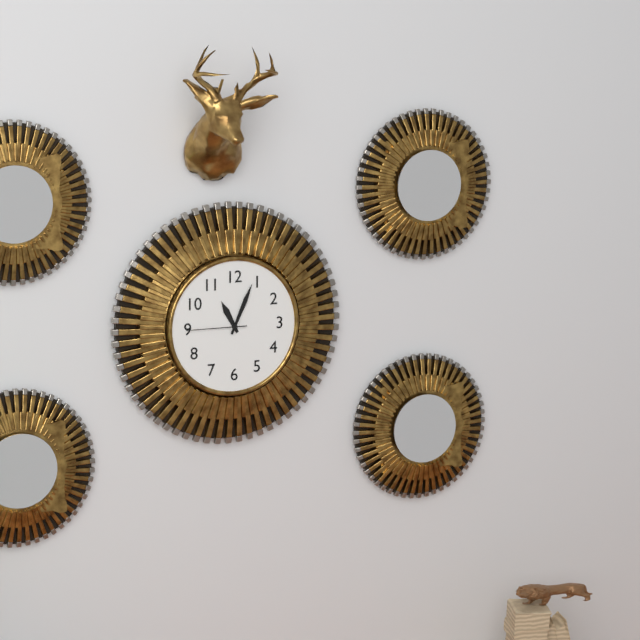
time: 11:04:45
